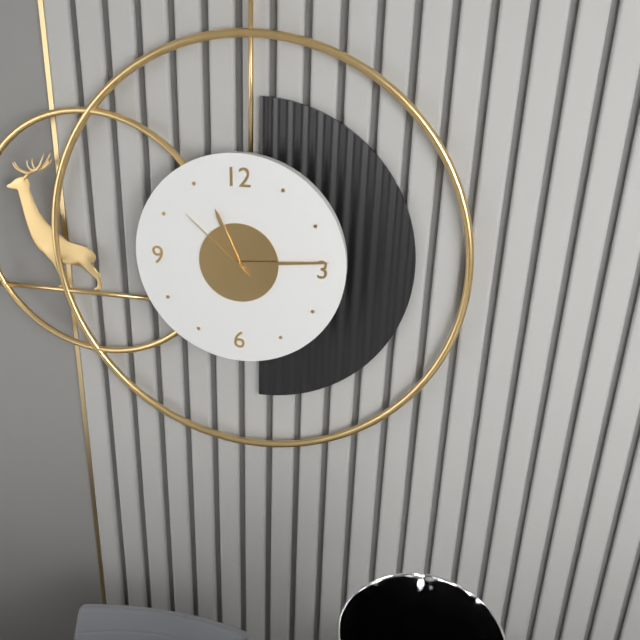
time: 11:14:52
